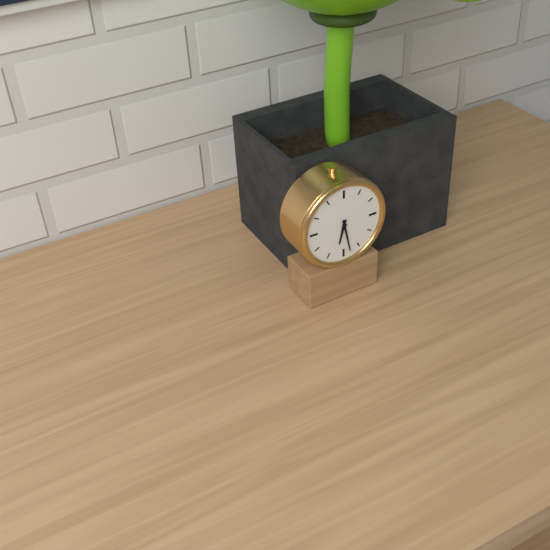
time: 6:28
